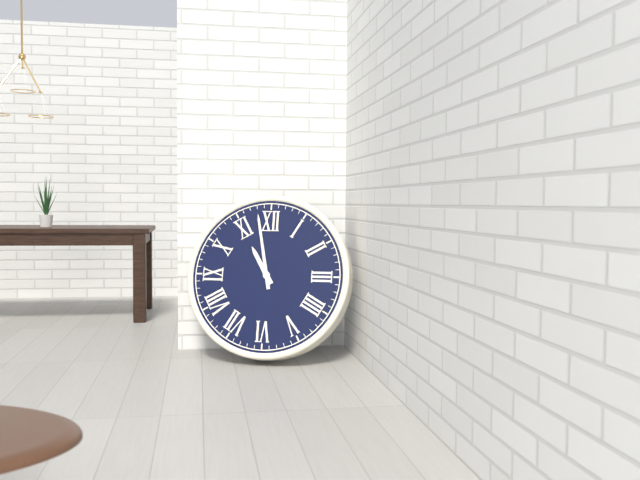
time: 10:58
